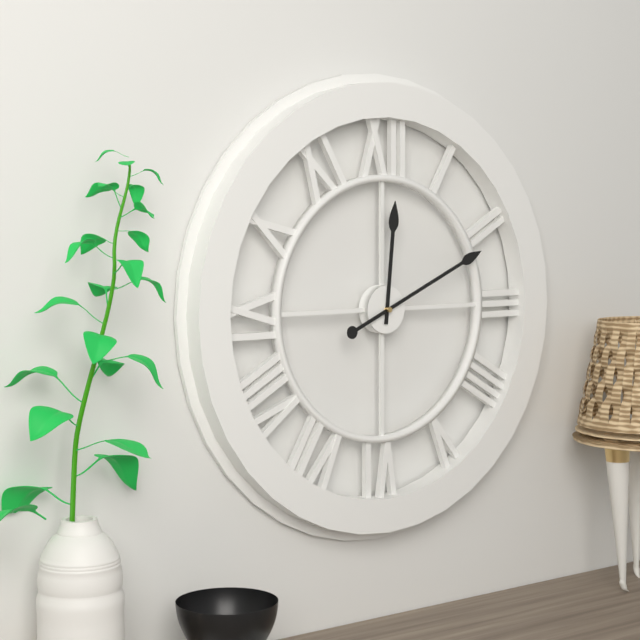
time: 12:11
